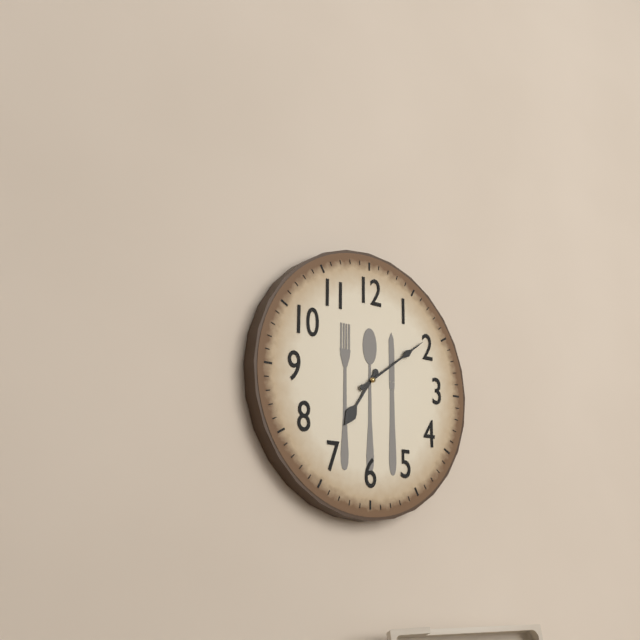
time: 7:09
